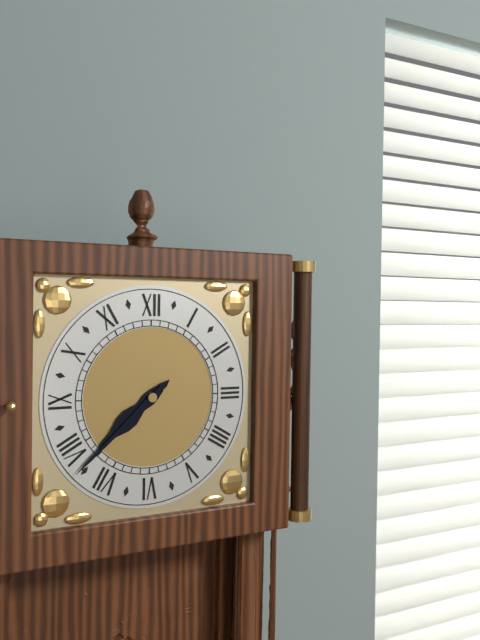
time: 7:38
